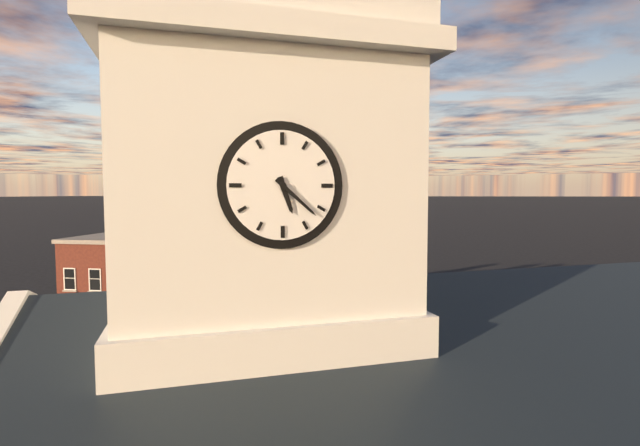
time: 5:22
